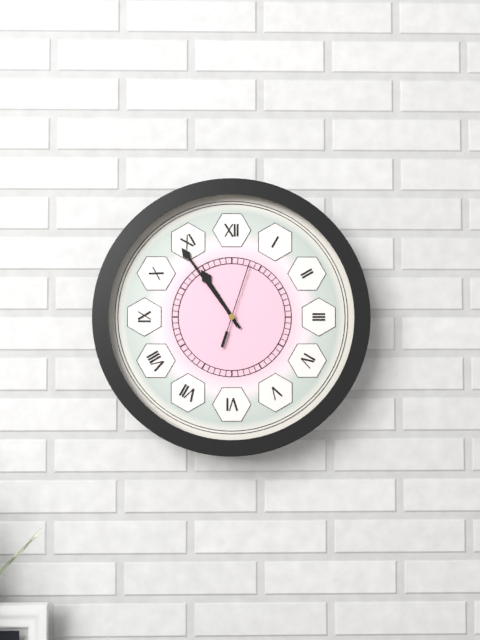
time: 10:54:03
